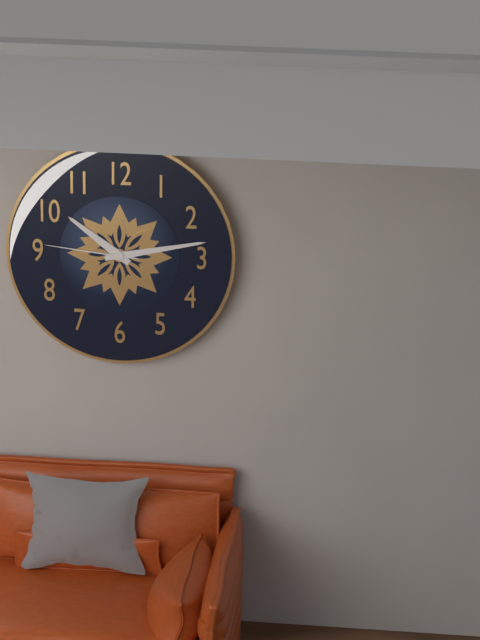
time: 10:13:46
